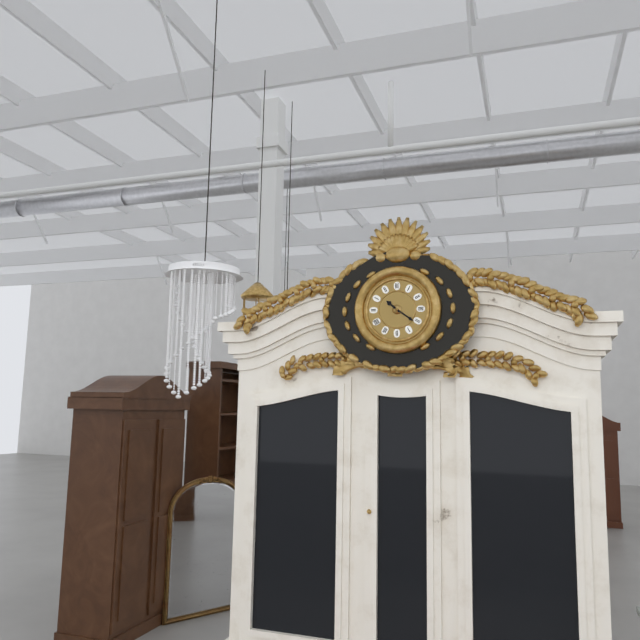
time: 10:21
